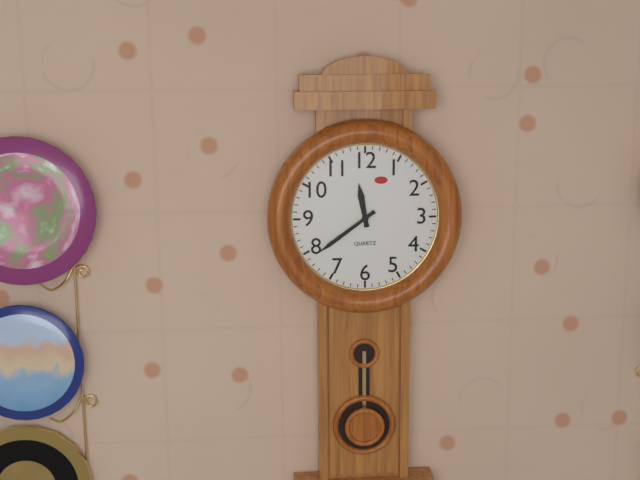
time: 11:39
